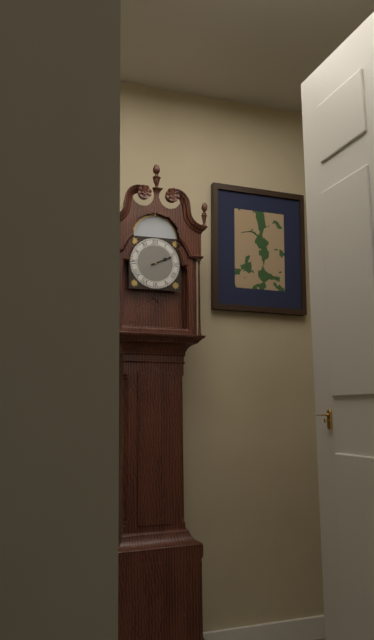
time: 2:11
